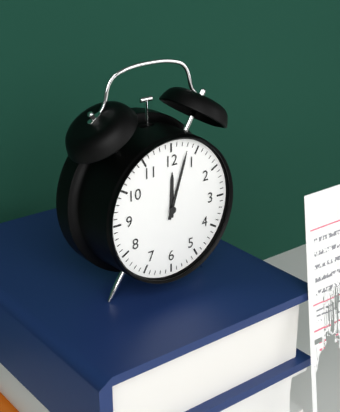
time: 12:03
